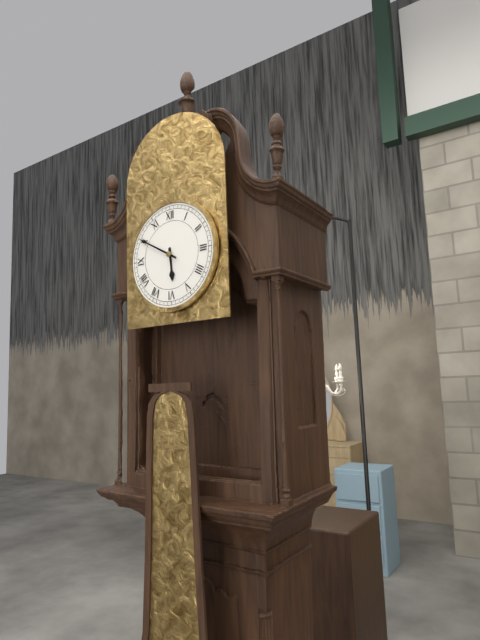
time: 5:50
